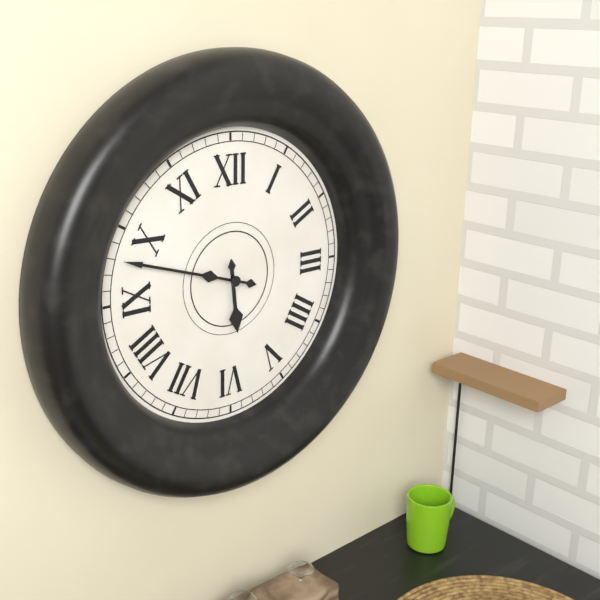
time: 5:48
